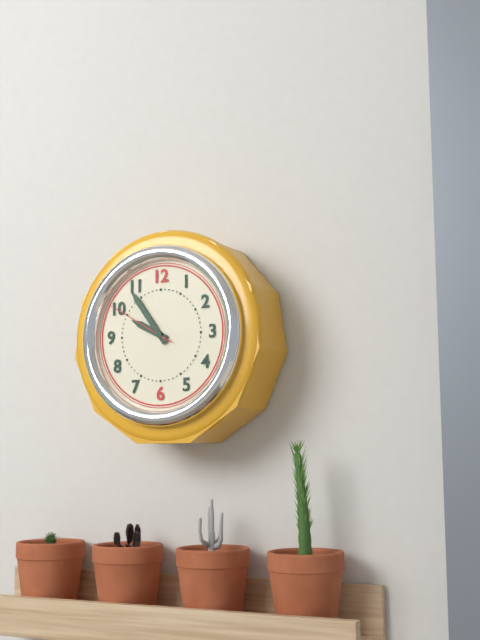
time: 9:54:50
